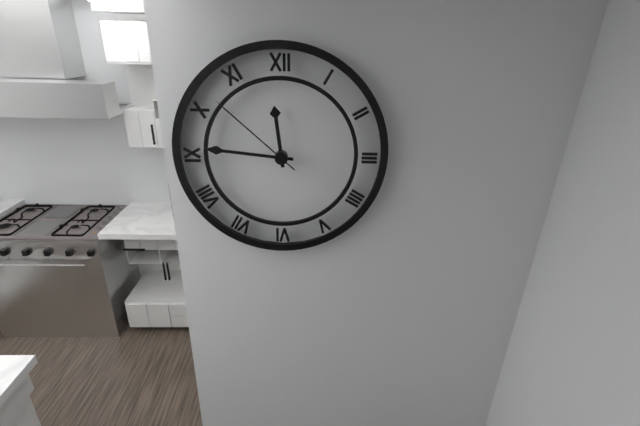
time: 11:46:52
